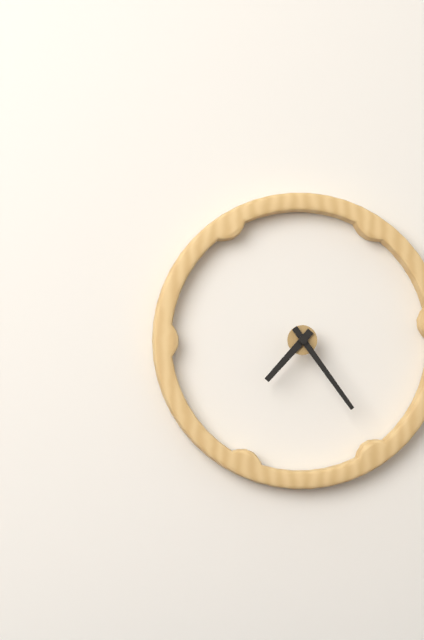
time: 7:24
